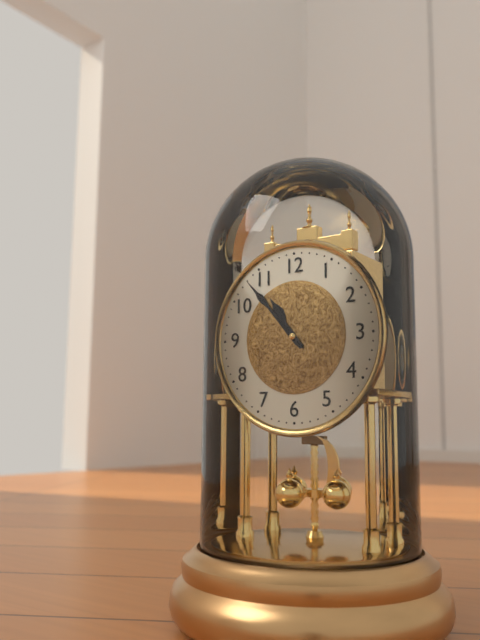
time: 10:53
